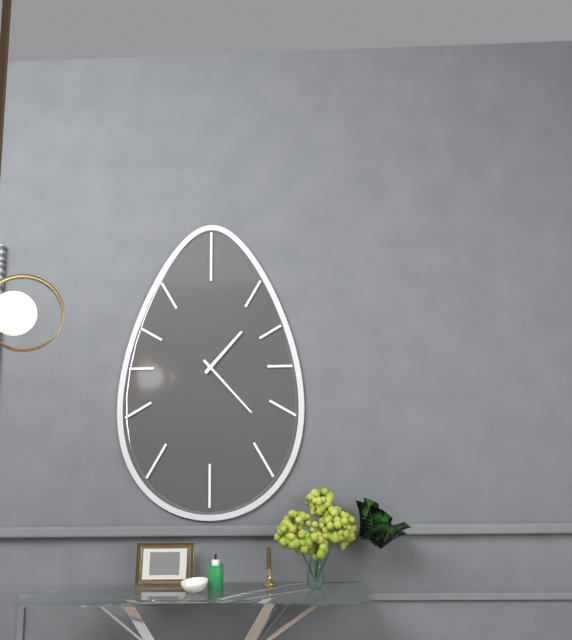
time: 1:23
